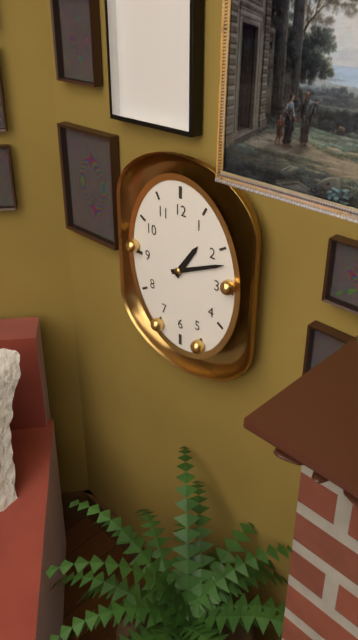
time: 1:11
